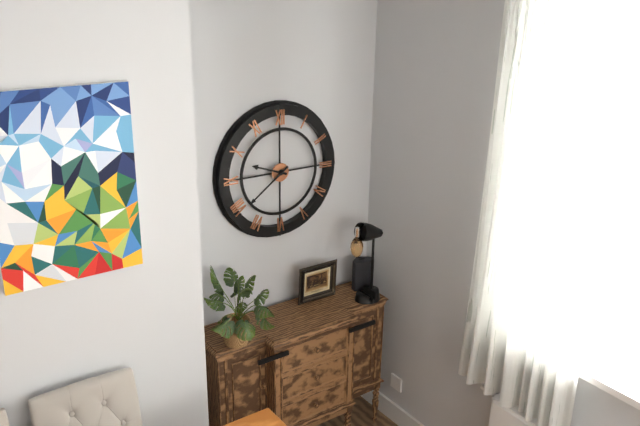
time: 9:39
